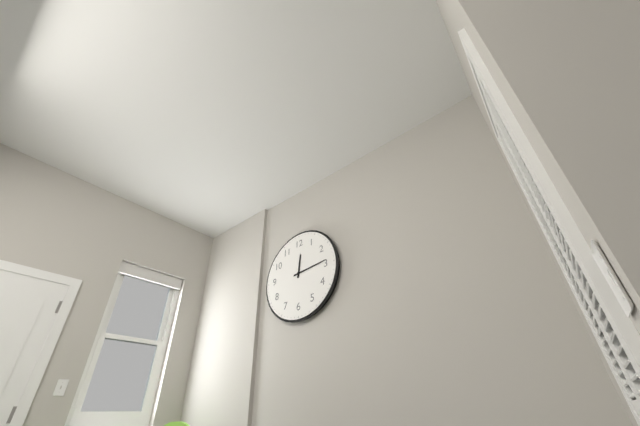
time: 12:14
